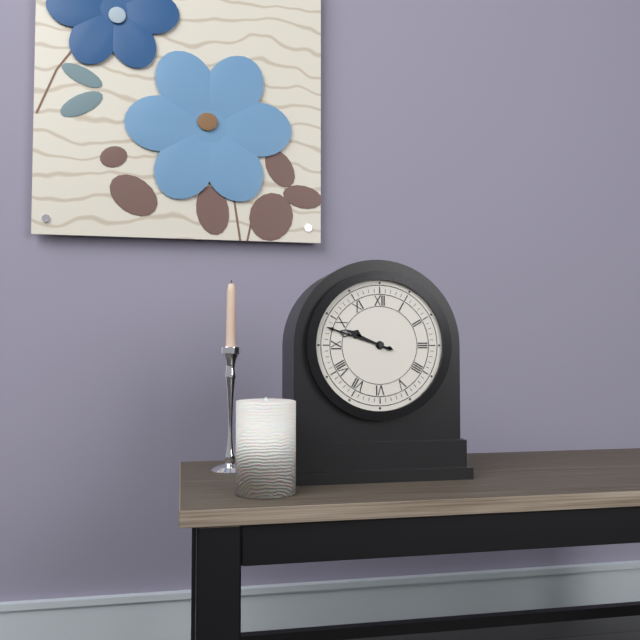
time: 9:48
